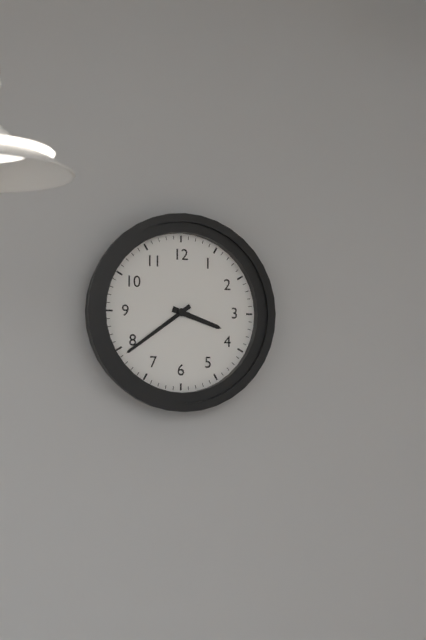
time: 3:39
